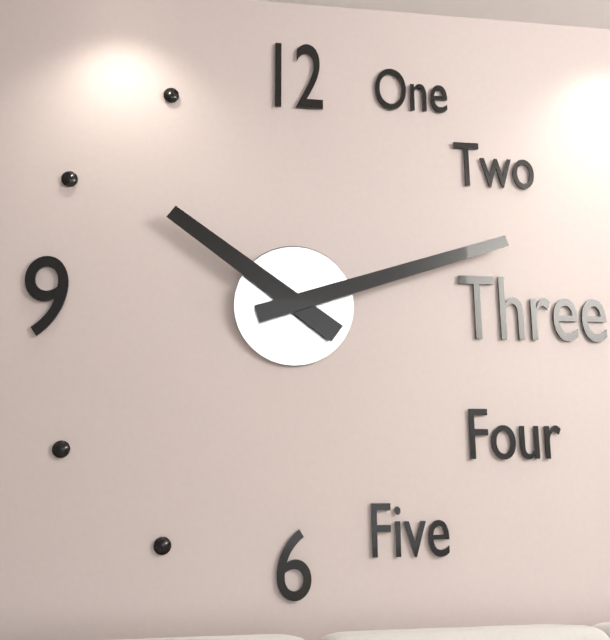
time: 10:12
